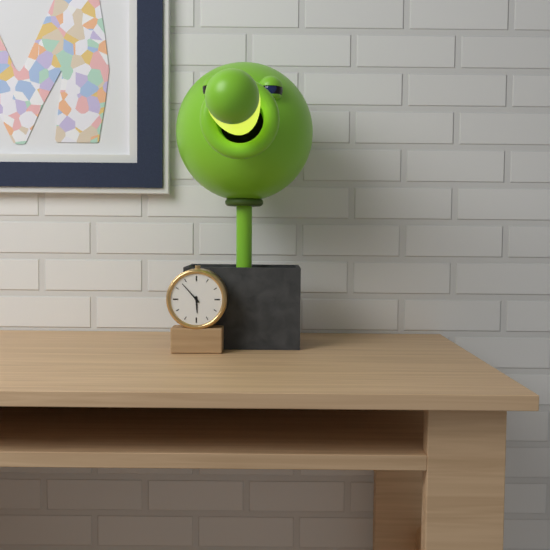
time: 5:53
